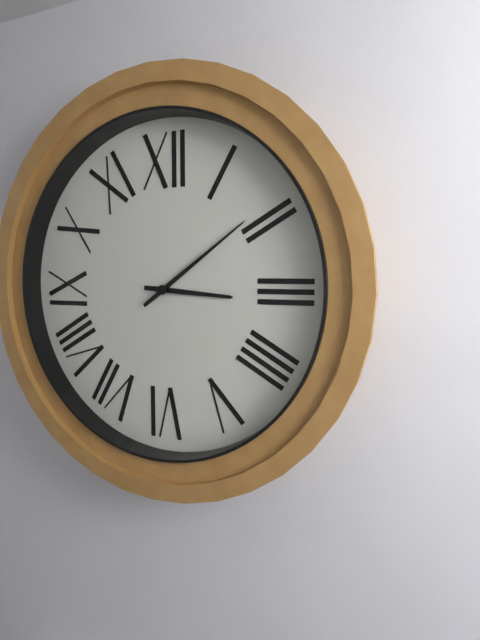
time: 3:09
